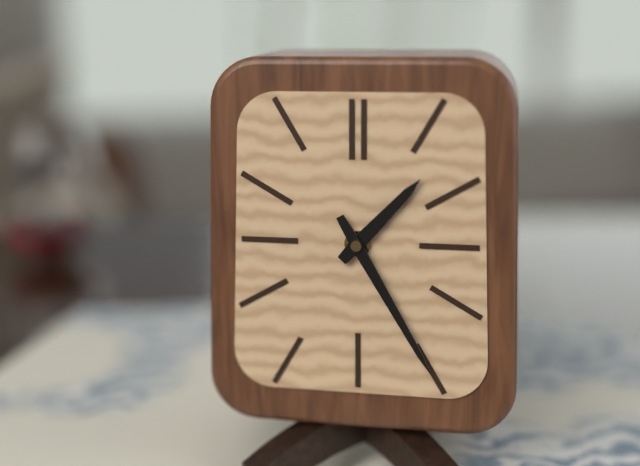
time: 1:25
